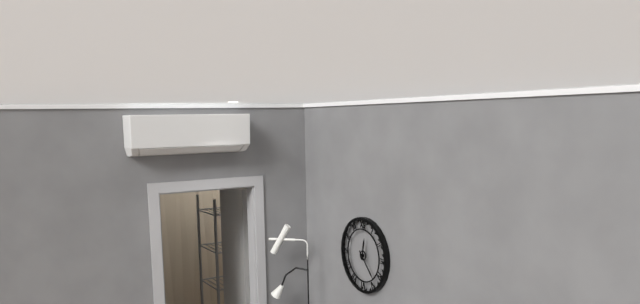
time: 12:23
